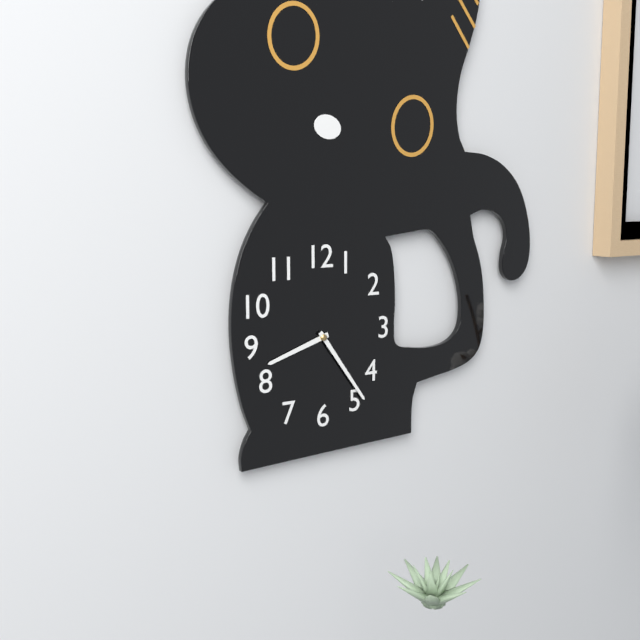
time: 8:24
